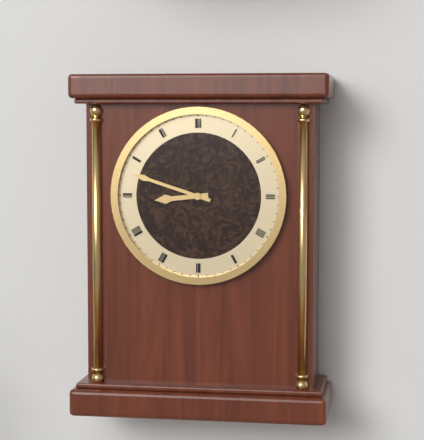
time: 8:48
